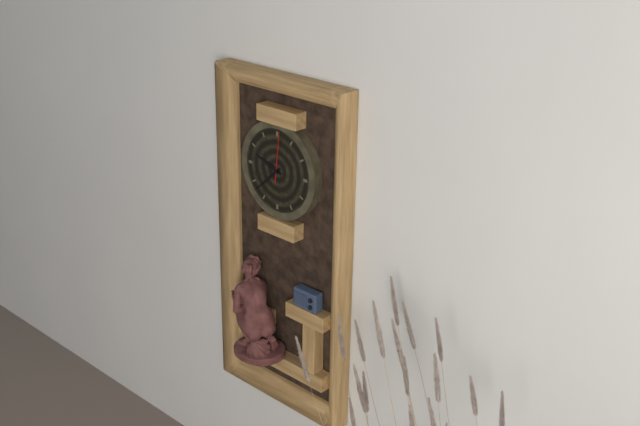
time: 9:38
